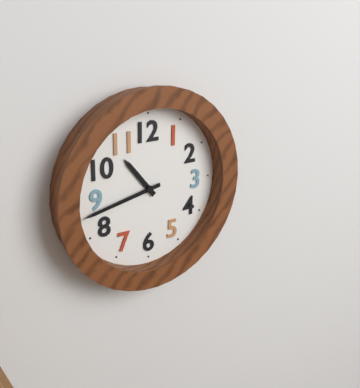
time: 10:43
